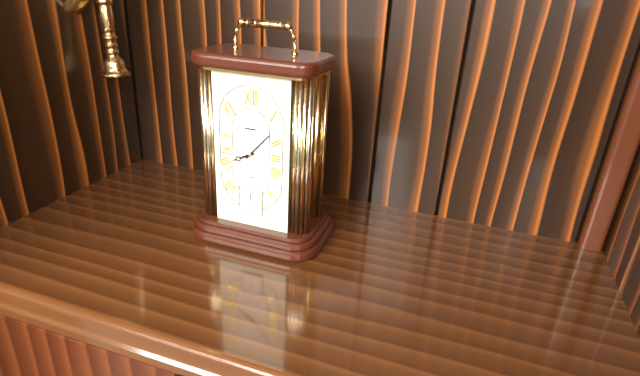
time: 8:07
